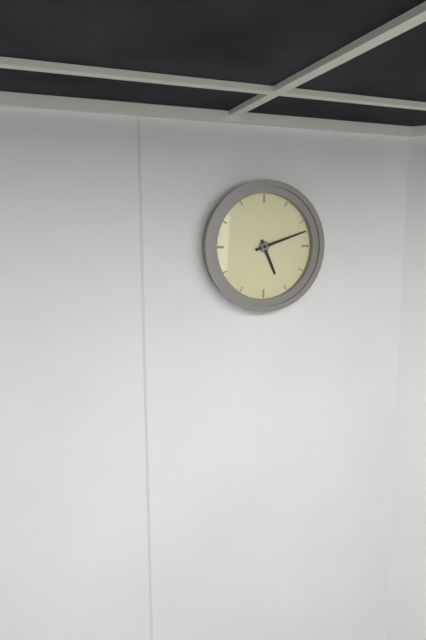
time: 5:12
